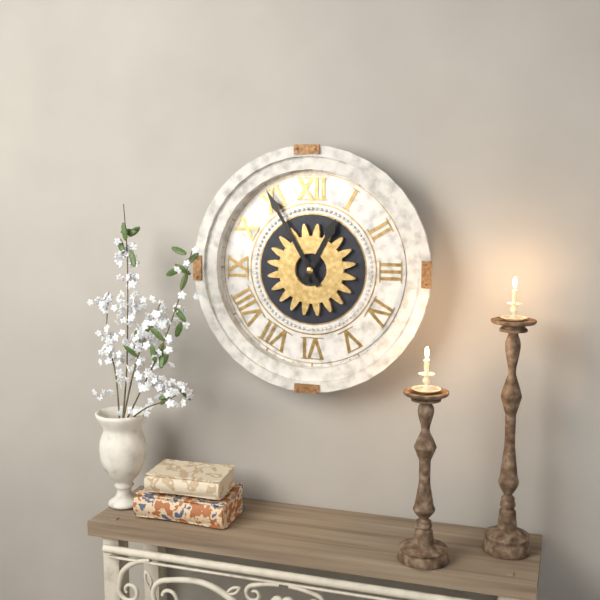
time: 12:55
